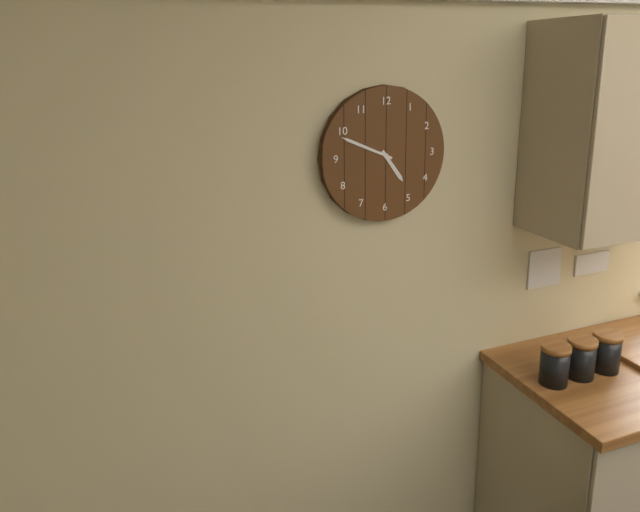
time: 4:49
